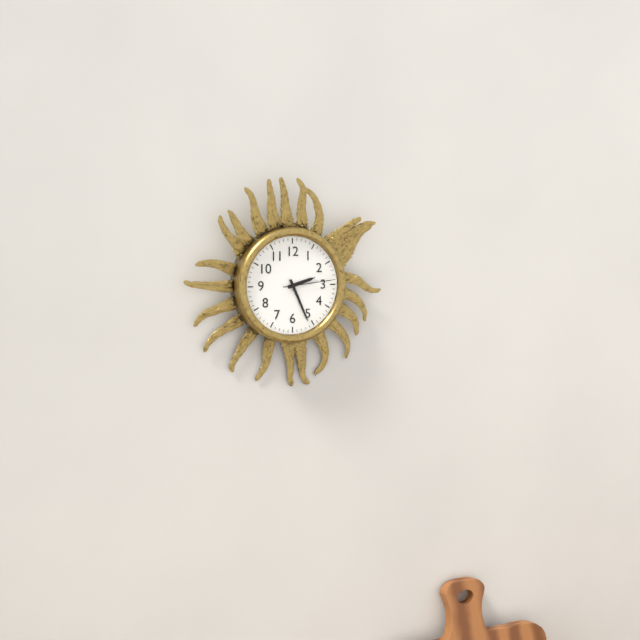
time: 2:26
